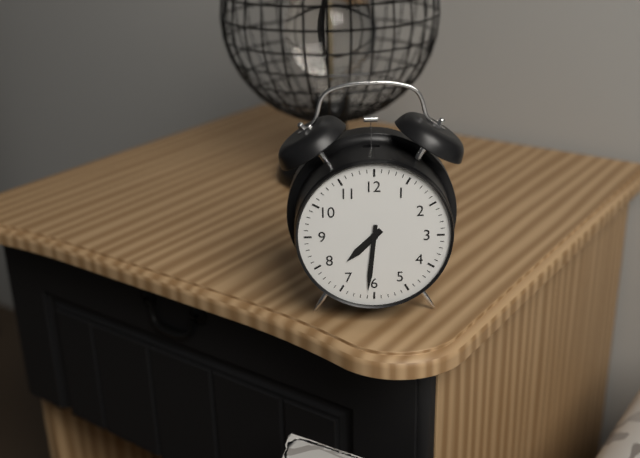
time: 7:31
